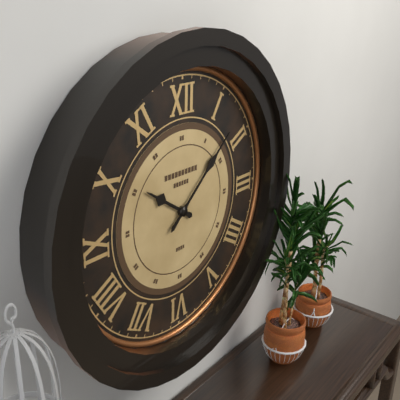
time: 10:08
